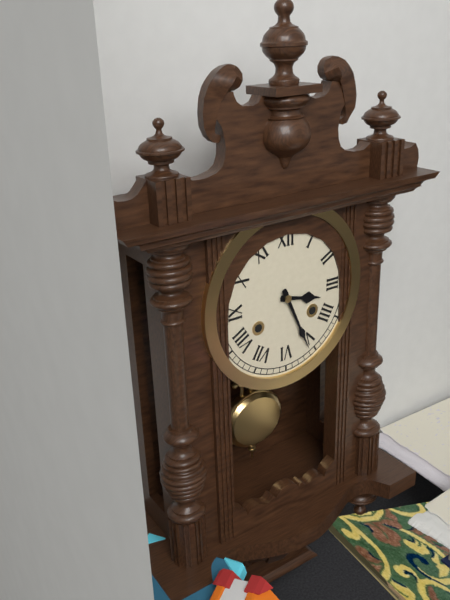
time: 3:26
